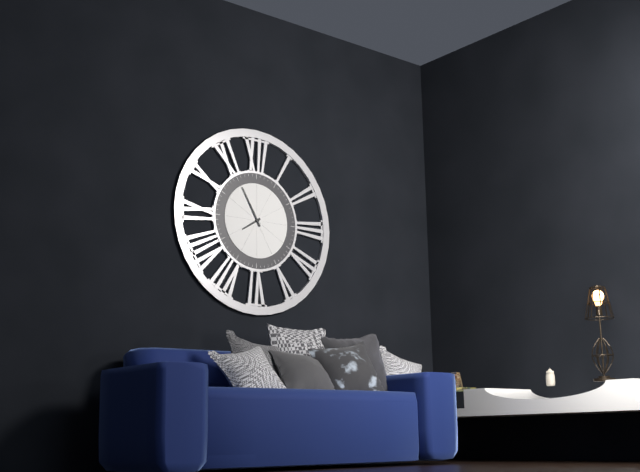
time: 7:55
